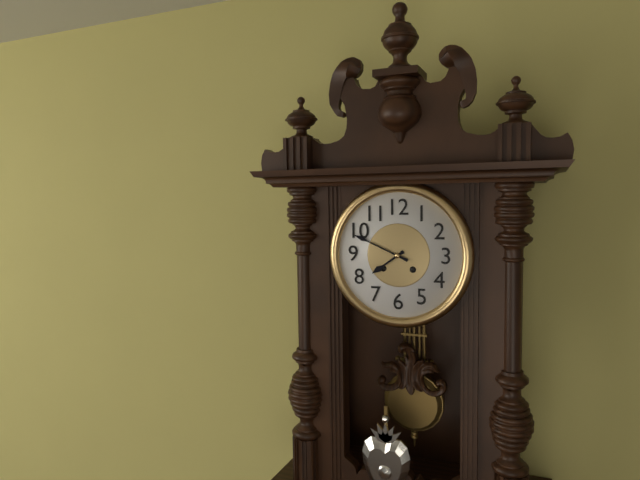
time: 7:49
